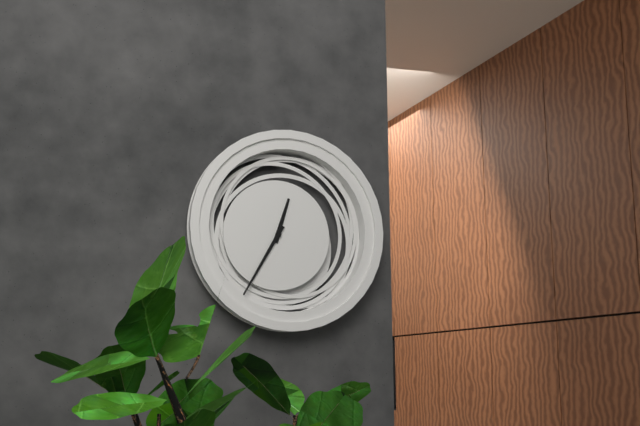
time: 12:35
